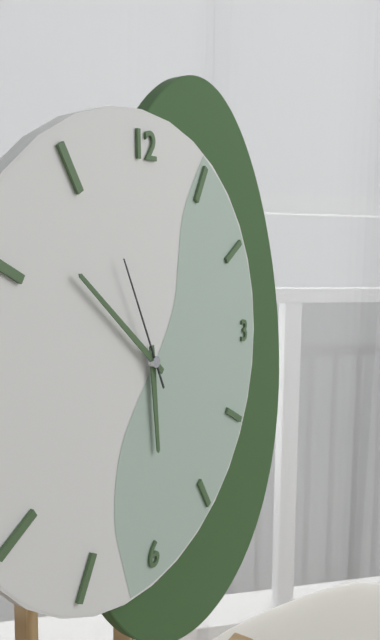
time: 5:52:56
